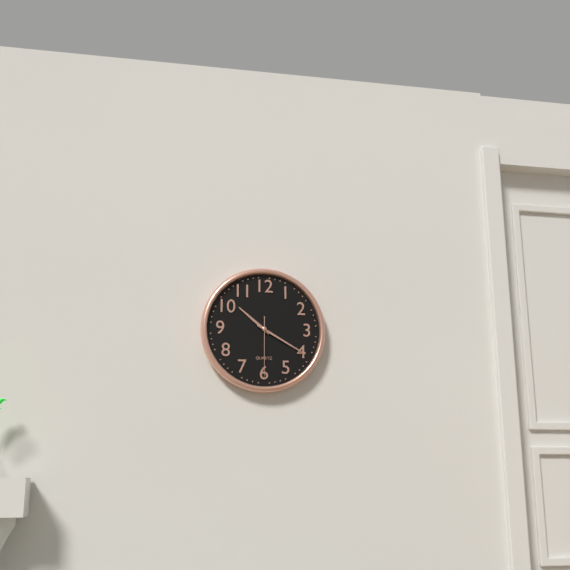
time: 10:20:30
